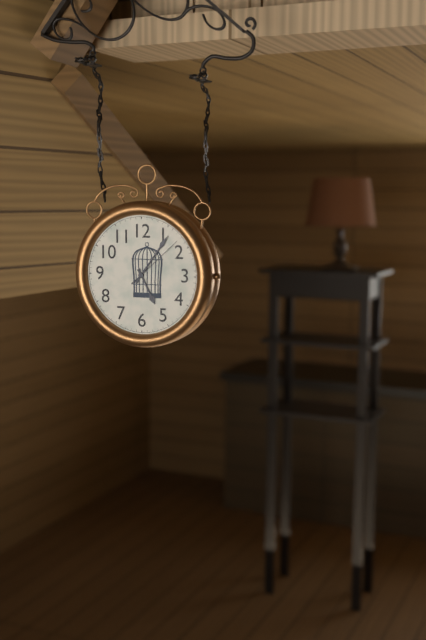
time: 5:06:08
